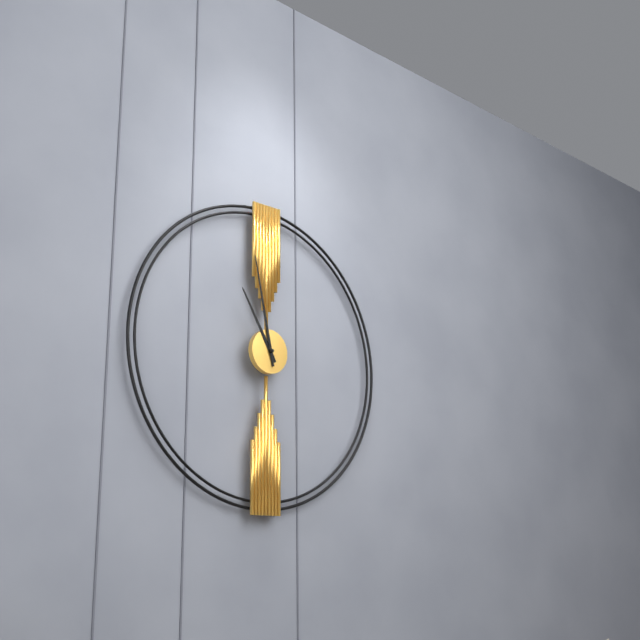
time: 10:58
